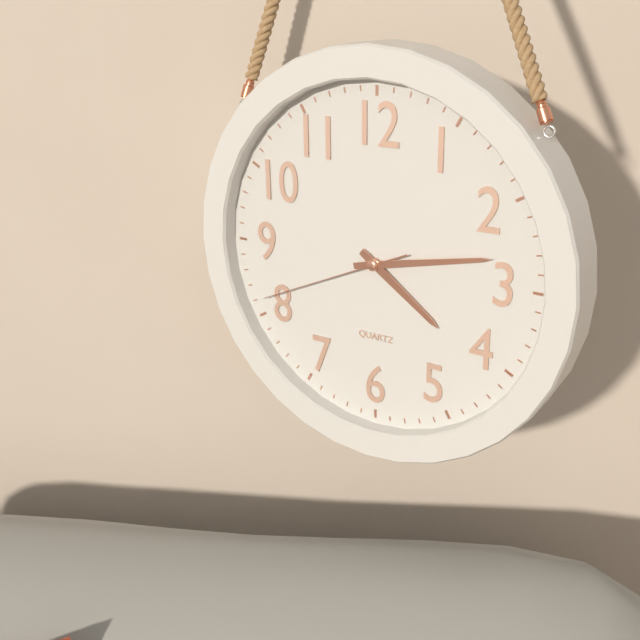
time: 4:13:41
